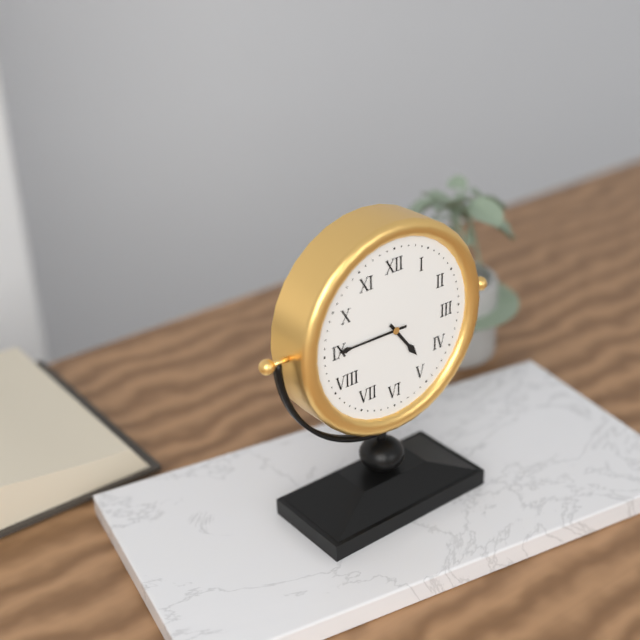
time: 4:45
